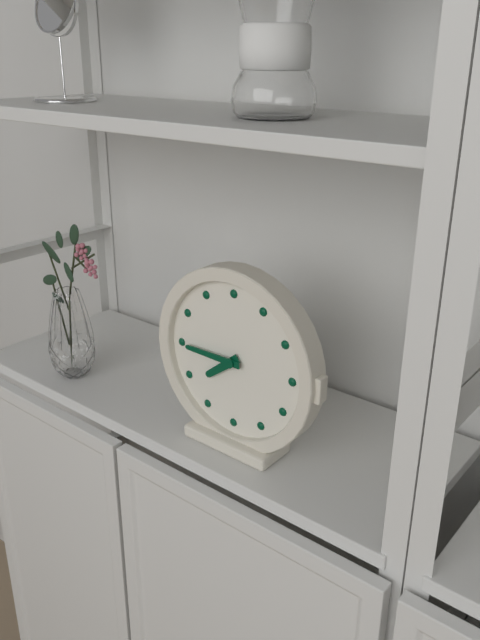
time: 7:45
